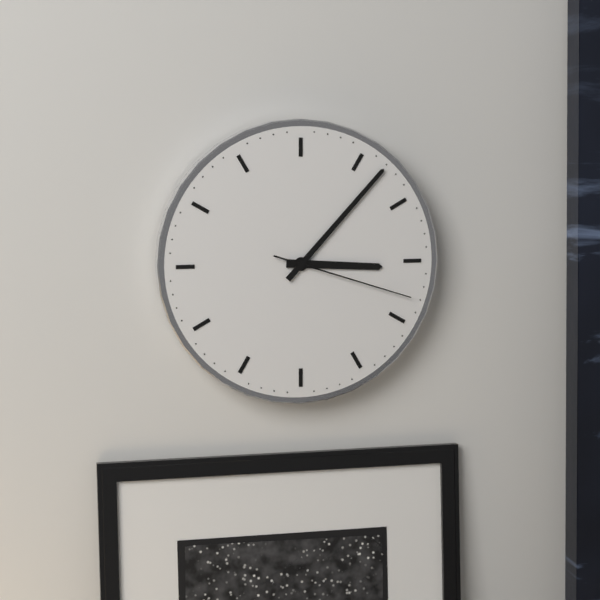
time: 3:07:18
